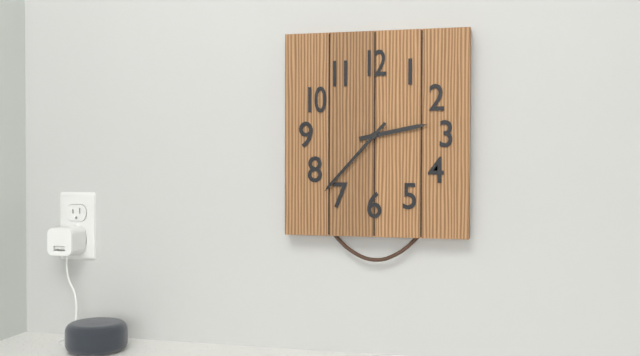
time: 2:37
